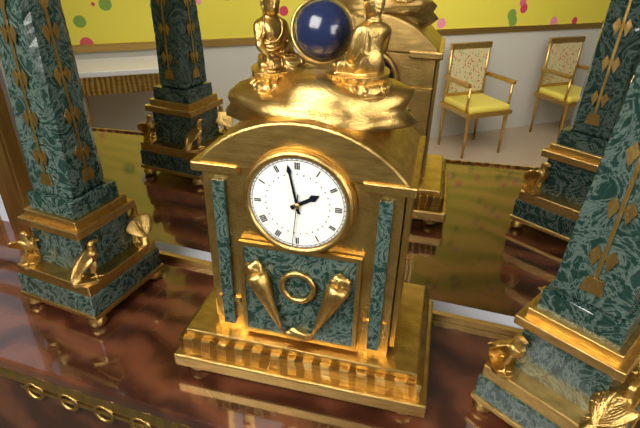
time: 1:58:31
